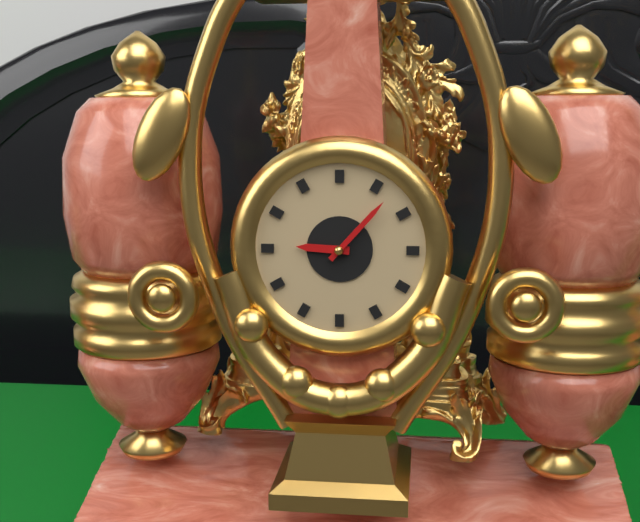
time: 9:07
